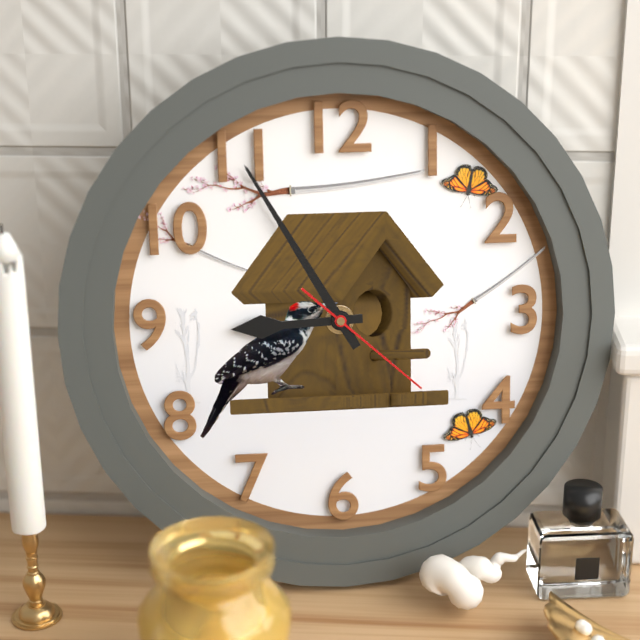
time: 8:55:22
